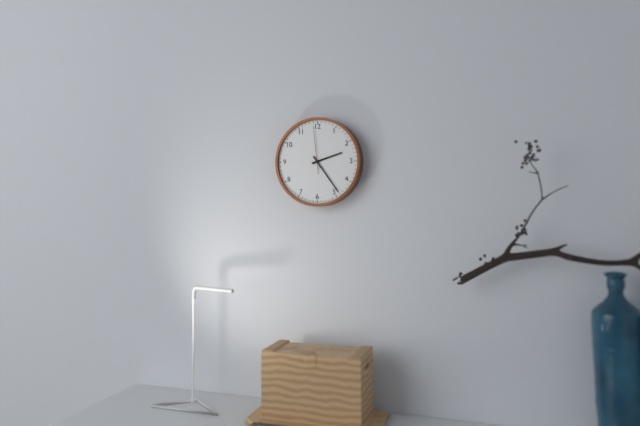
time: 2:24
